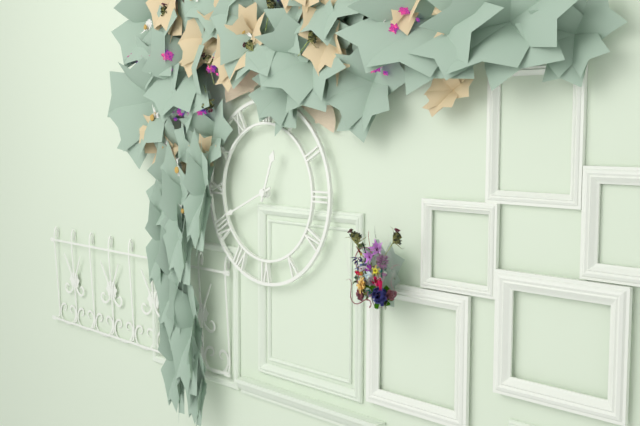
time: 12:41
